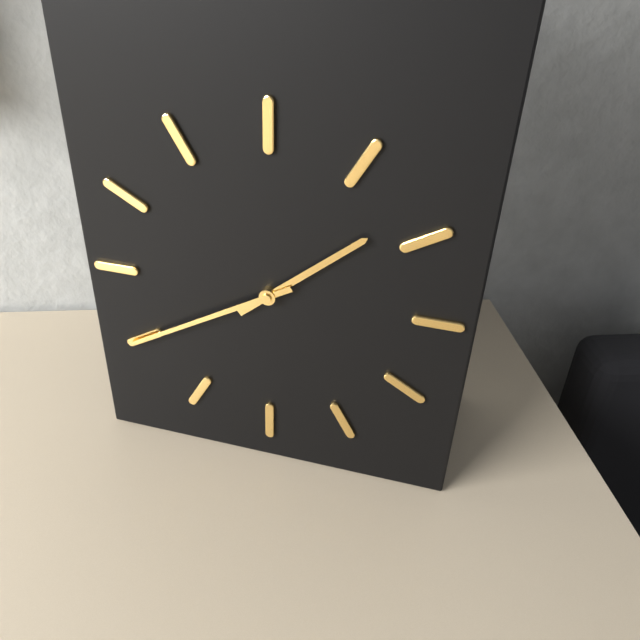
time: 1:40
